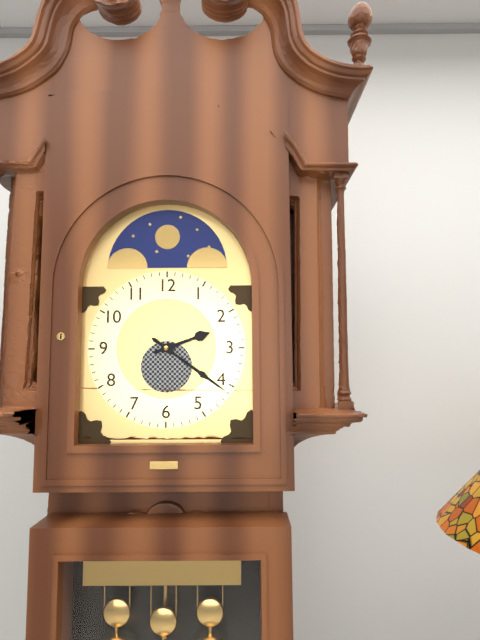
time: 2:21
